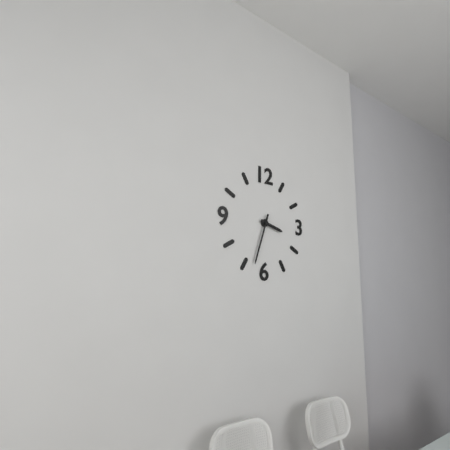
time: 3:33
